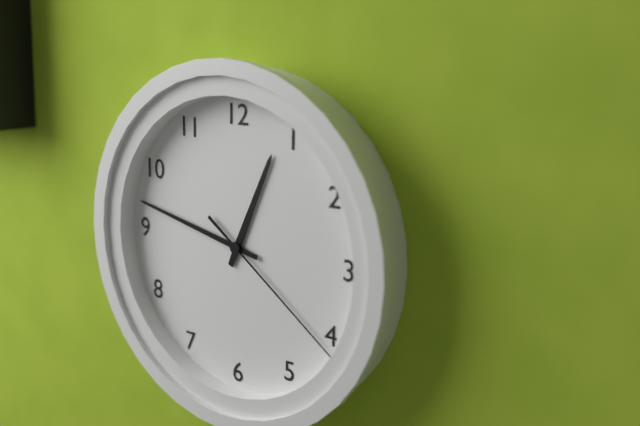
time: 12:47:21
